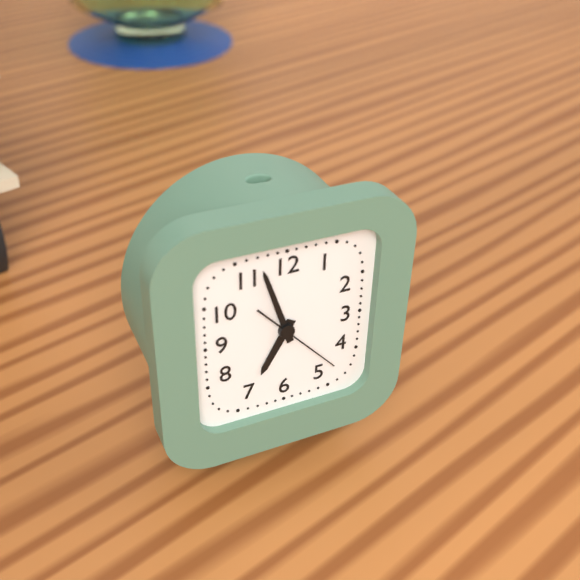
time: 6:57:23
